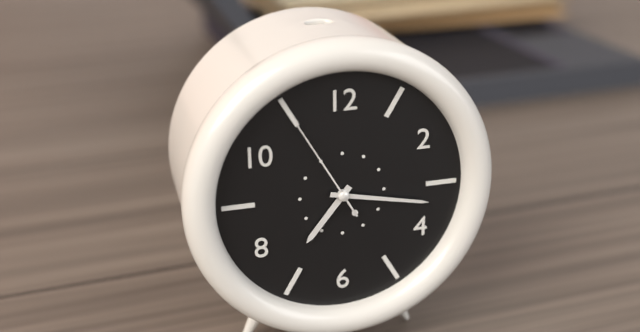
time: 7:17:55
